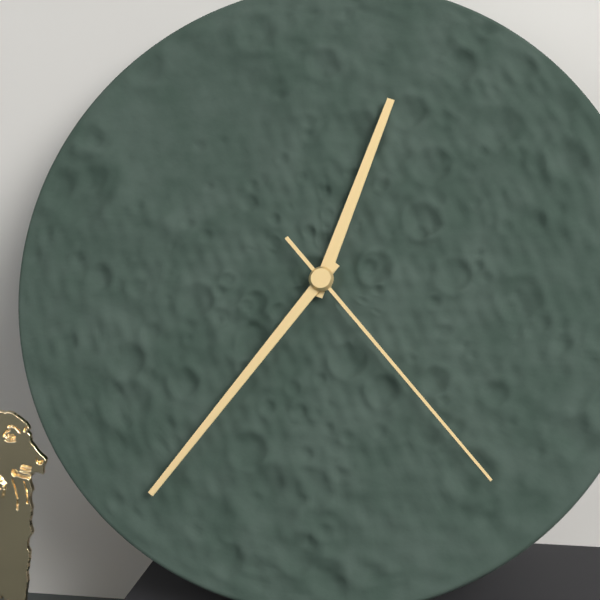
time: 12:36:23
